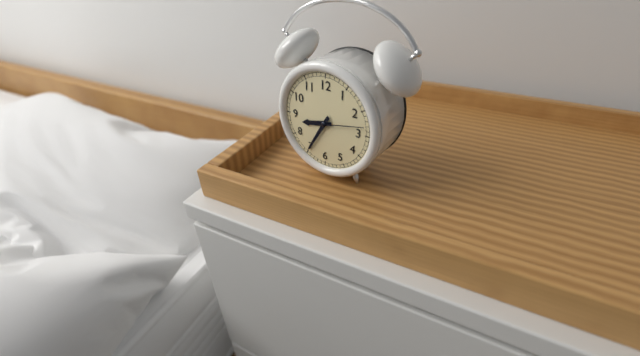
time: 8:35:13
